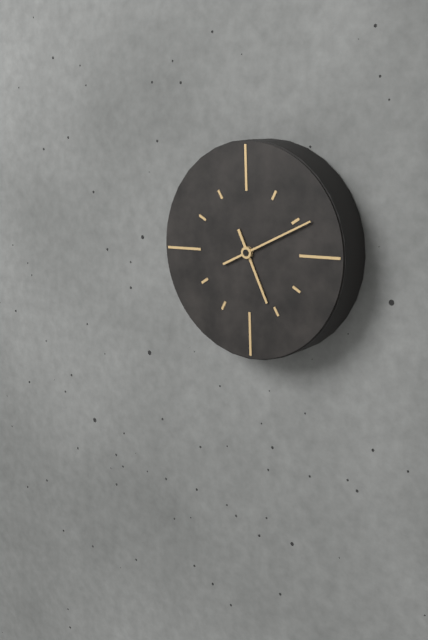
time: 5:11
